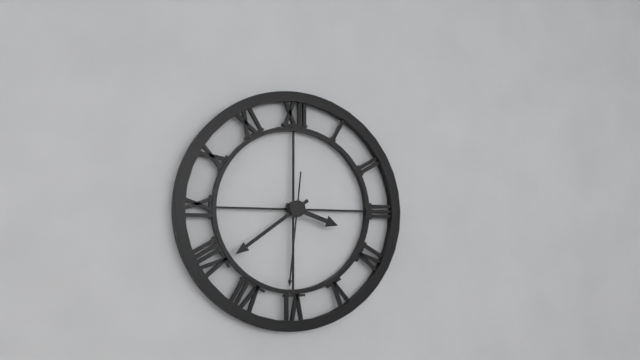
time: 3:39:31
